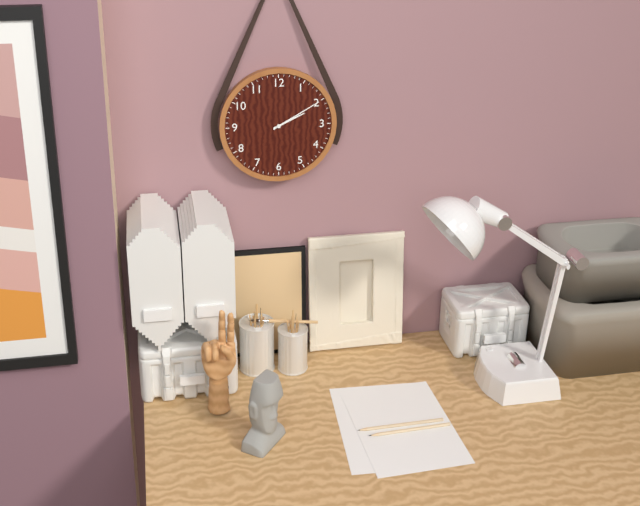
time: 2:10
